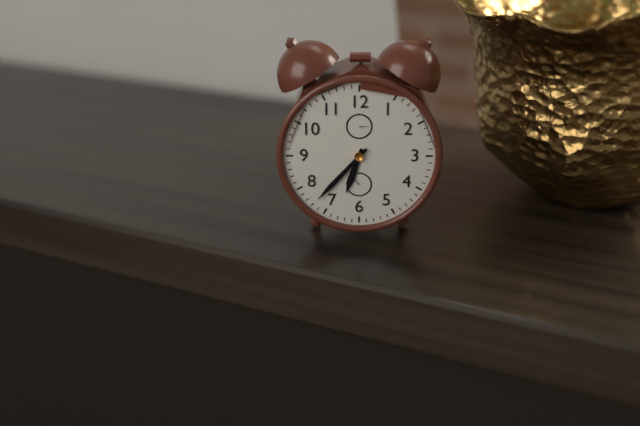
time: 6:37
